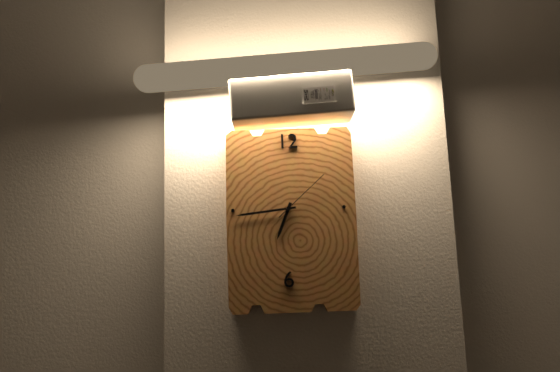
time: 6:44:08
